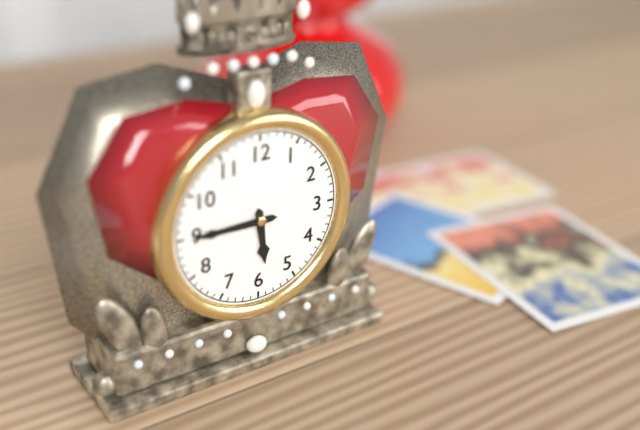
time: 5:45
